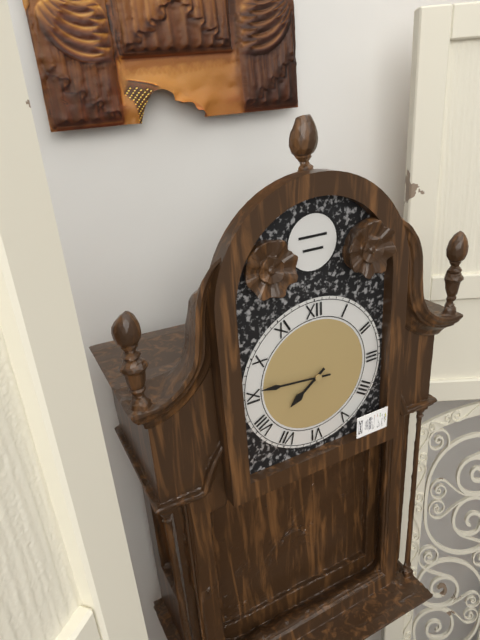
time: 7:46
